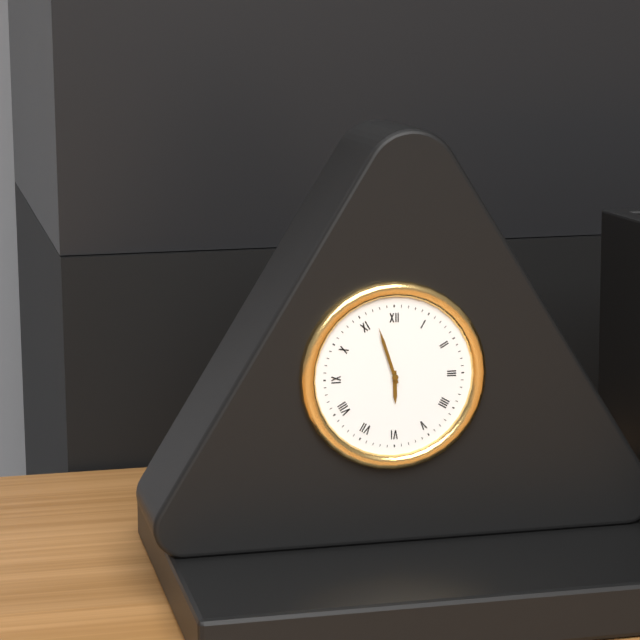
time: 5:57
